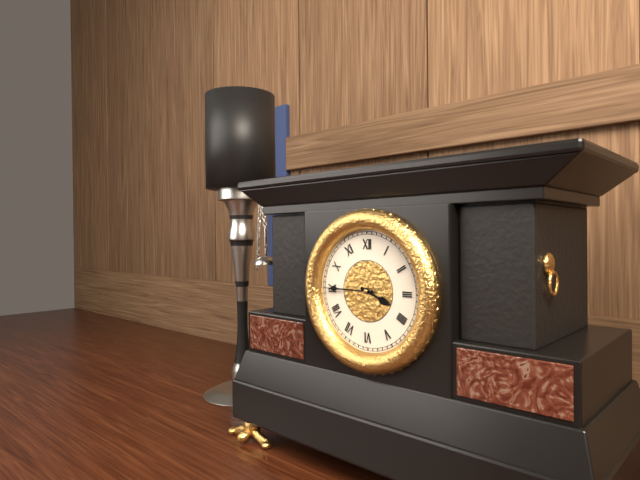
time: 3:45
